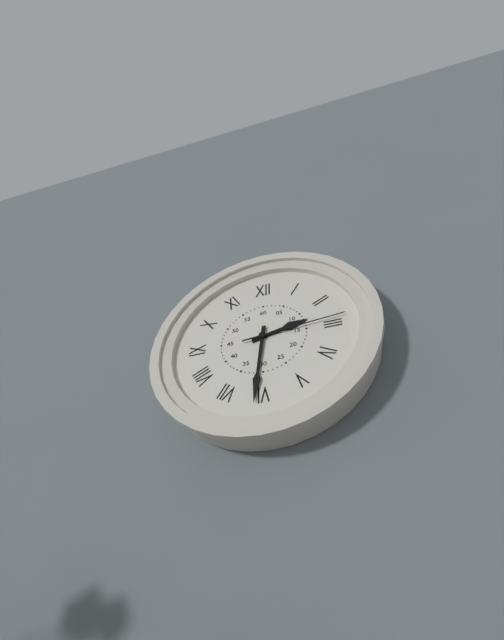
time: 2:31:14
